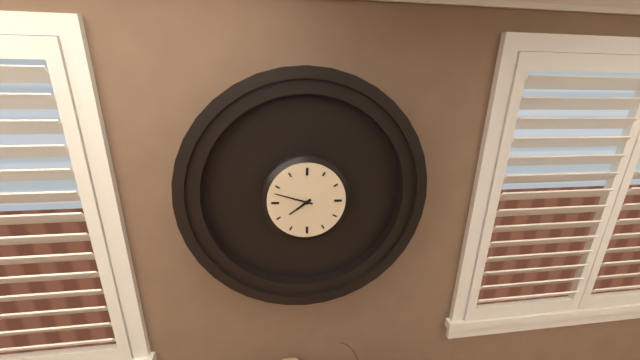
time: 7:48
